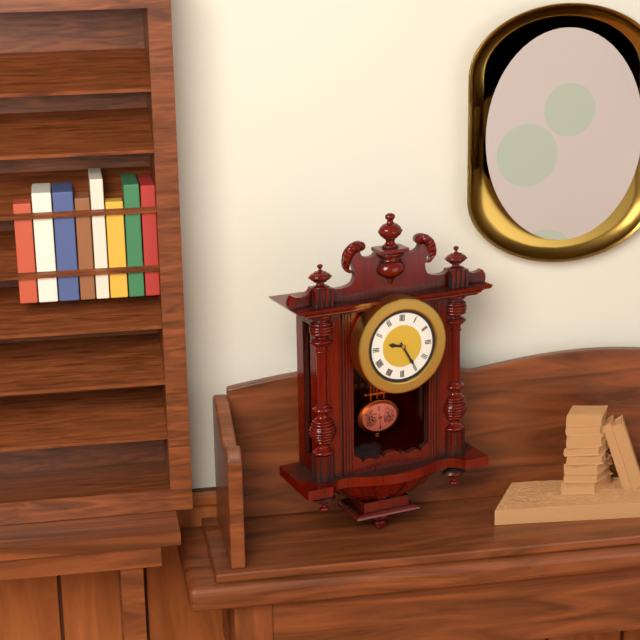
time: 9:25
